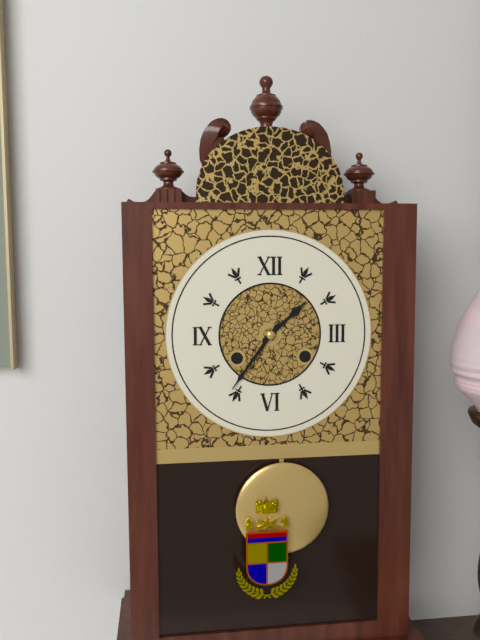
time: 1:36
